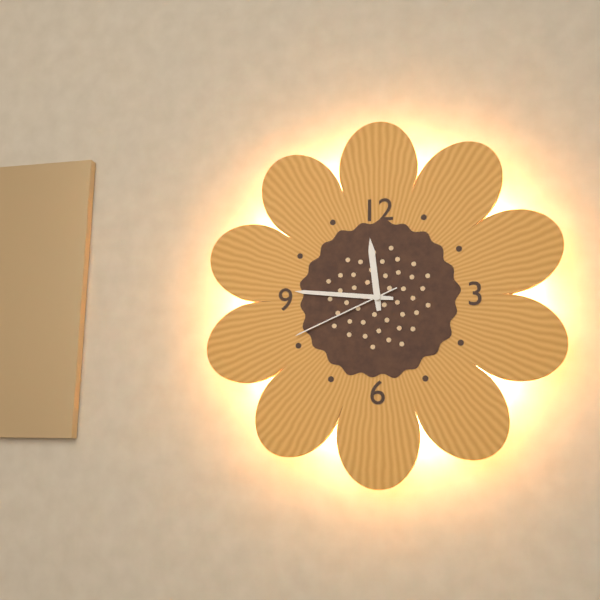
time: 11:46:41
